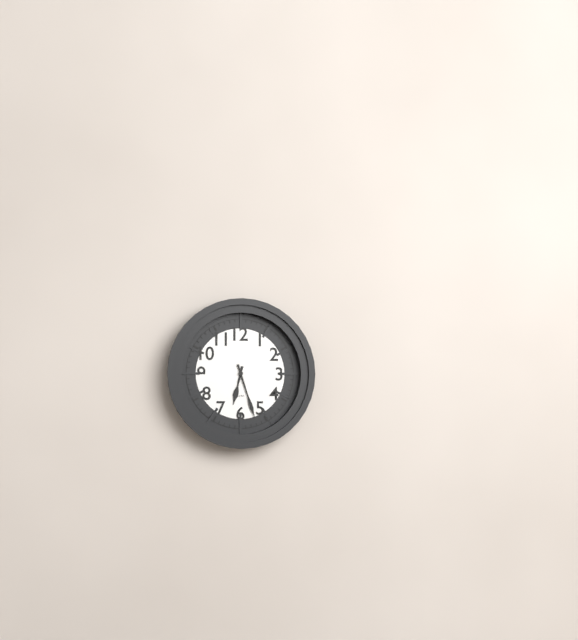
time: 6:27
